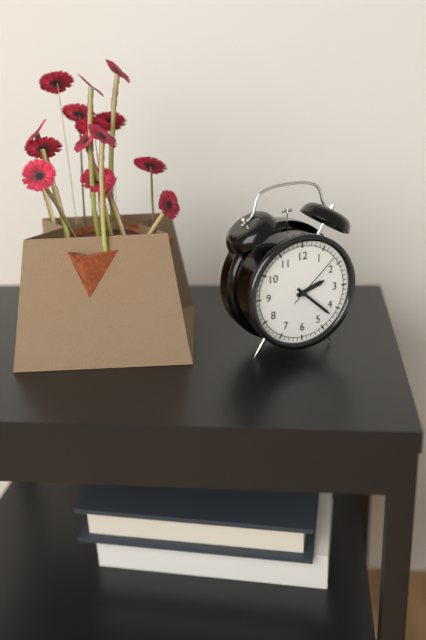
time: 2:22:08
